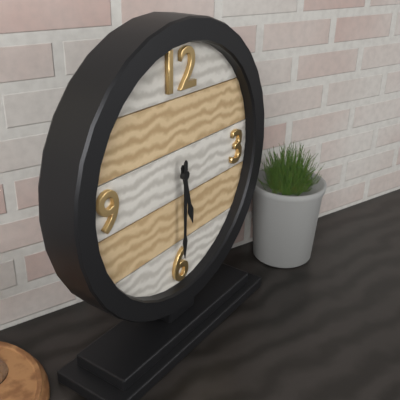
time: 5:30
